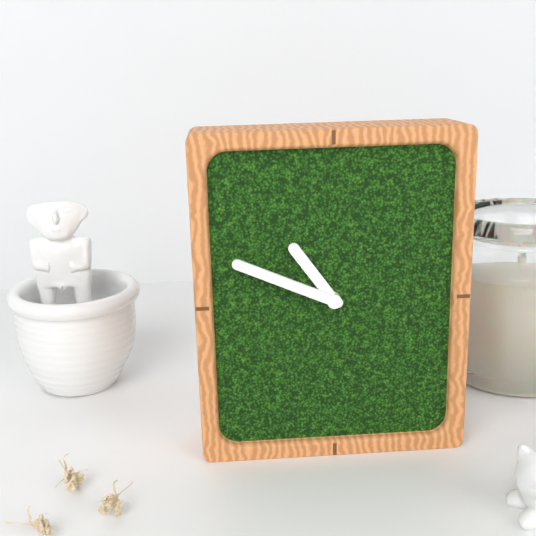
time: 10:49
